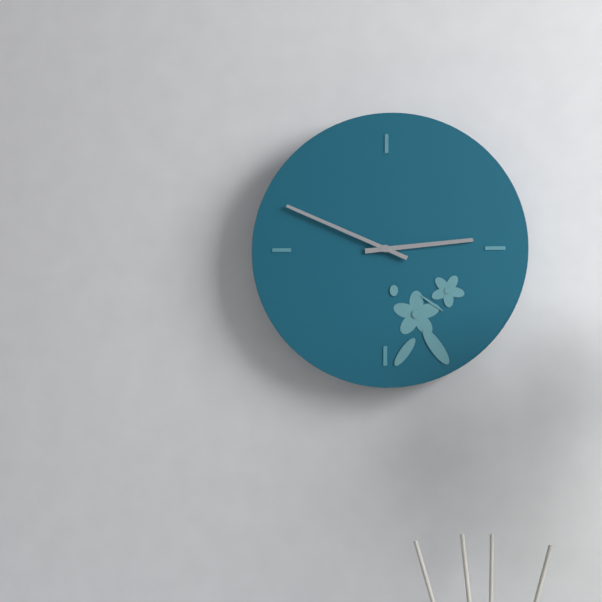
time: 2:49
